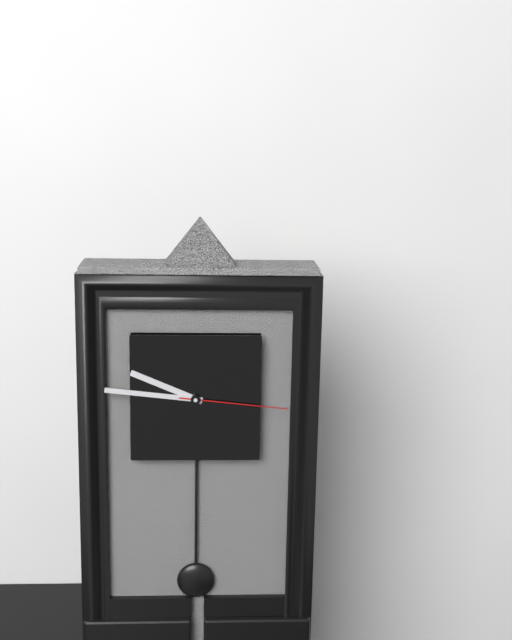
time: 9:46:16
